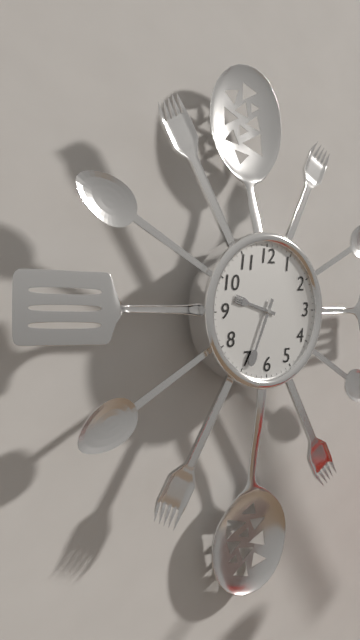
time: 9:34
